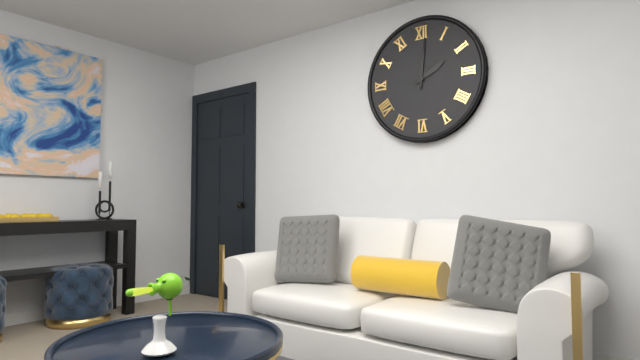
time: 2:01
